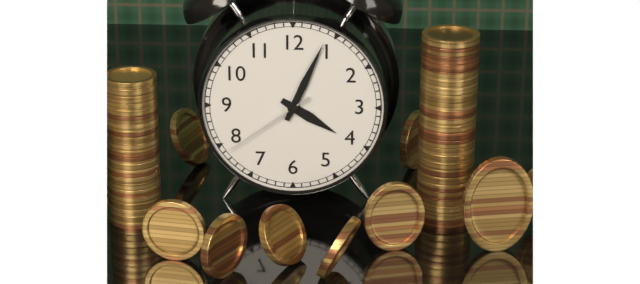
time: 4:04:39
